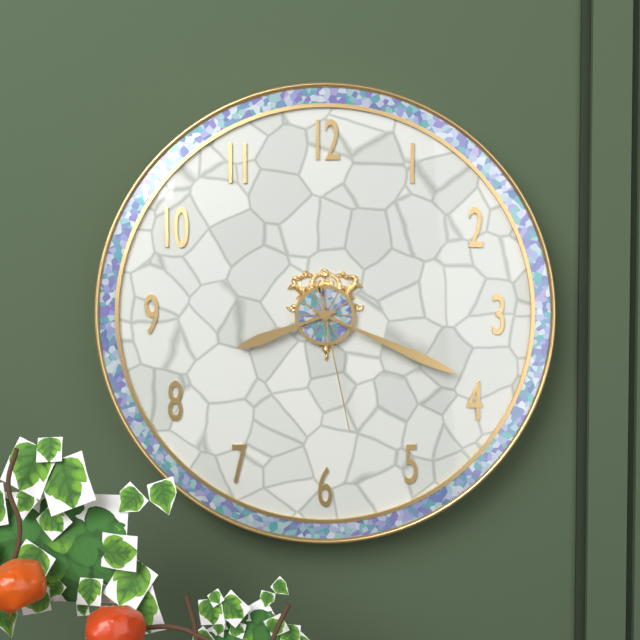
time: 8:19:28
